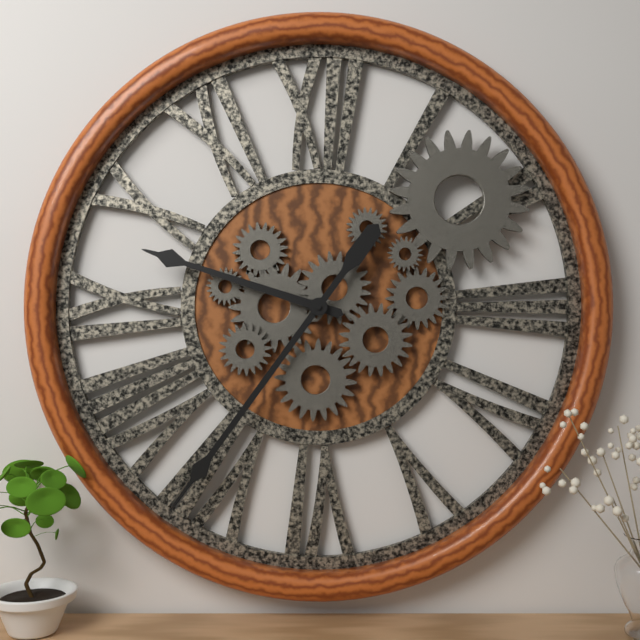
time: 9:36
